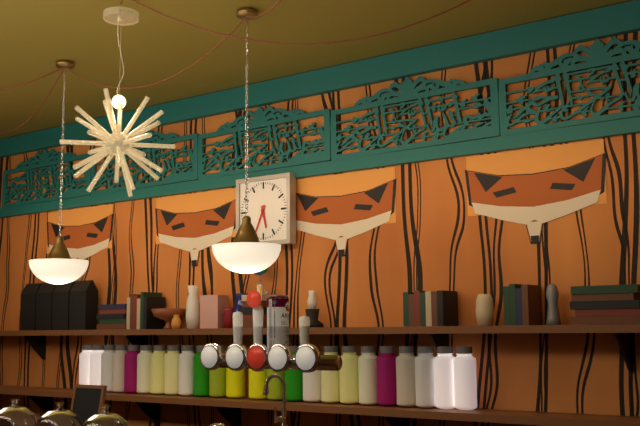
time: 5:34
